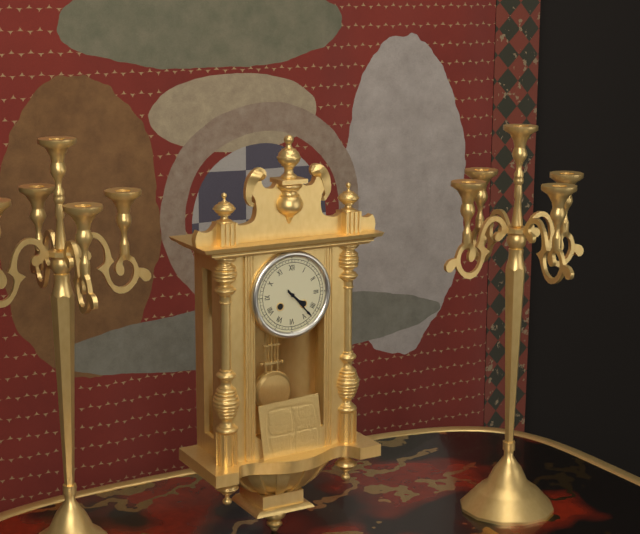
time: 4:23
